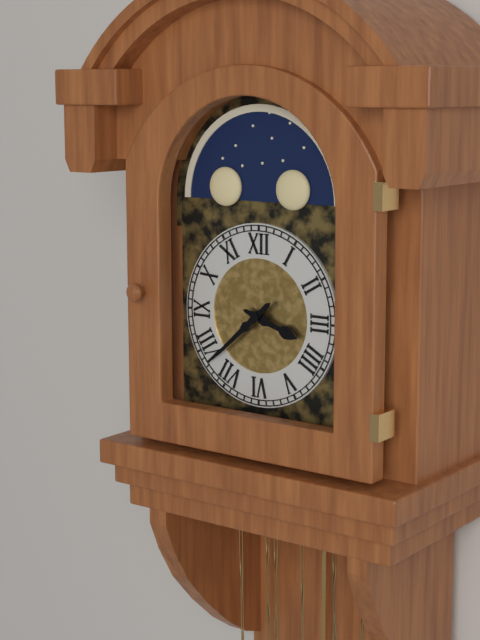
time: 3:38
